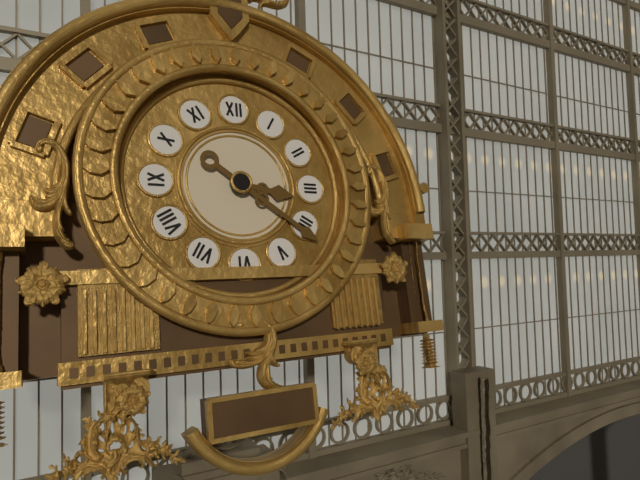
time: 3:21
